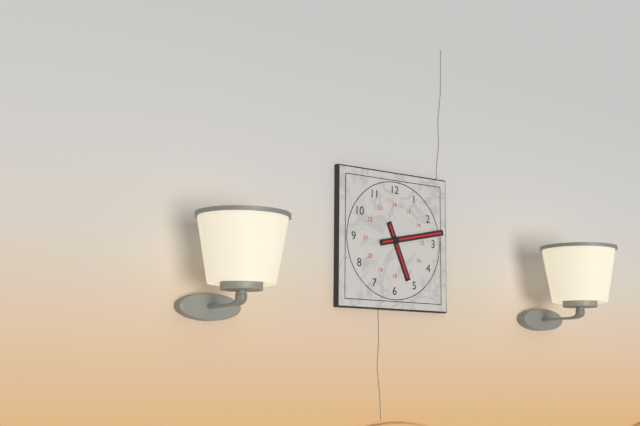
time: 5:13
